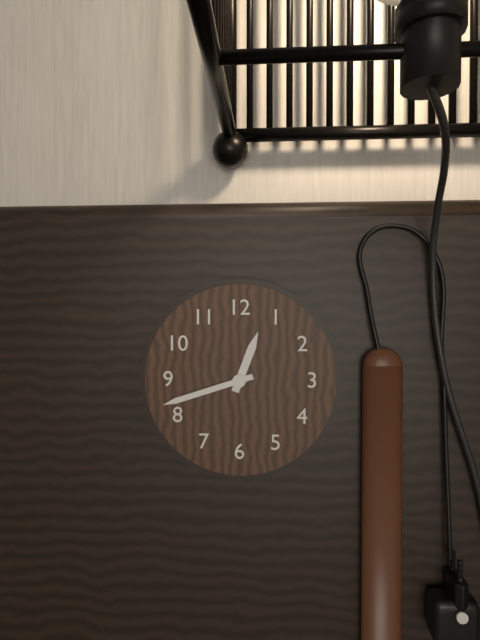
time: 12:42
